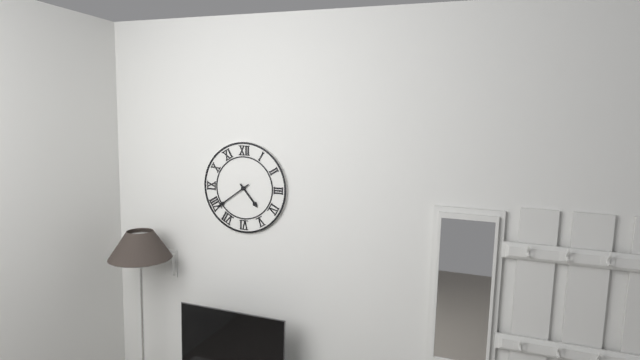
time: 4:39
